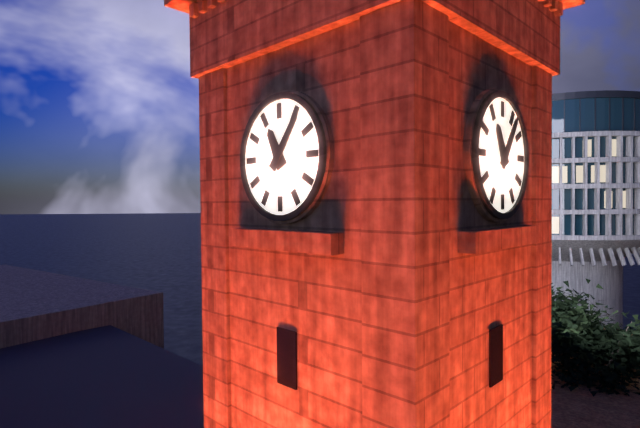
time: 11:06
